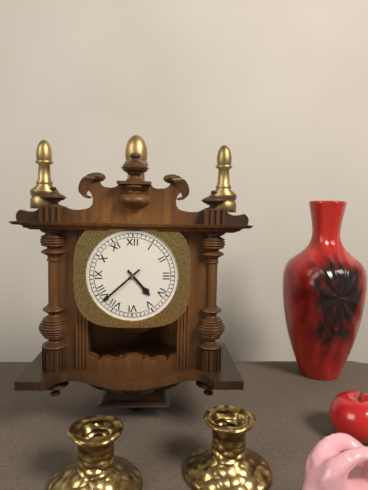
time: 4:38
